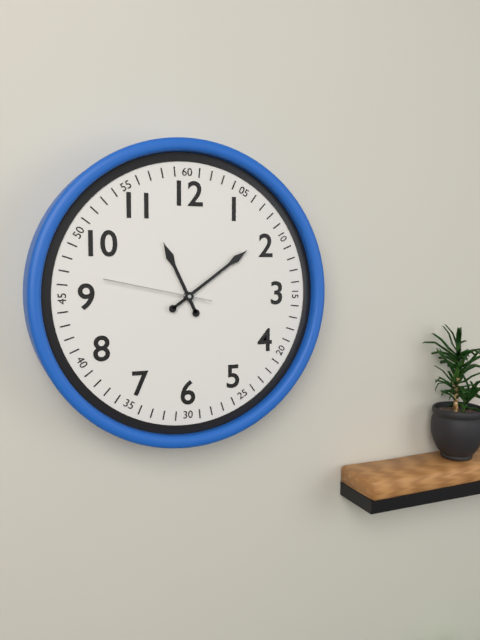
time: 11:09:47
